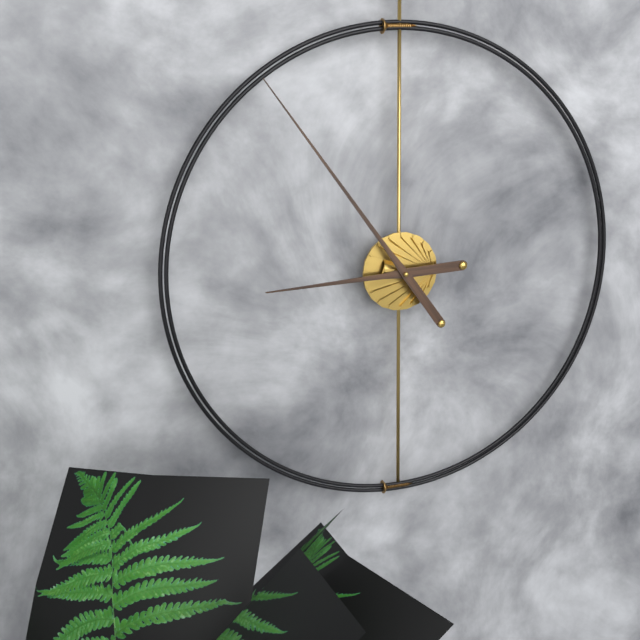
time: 8:54
